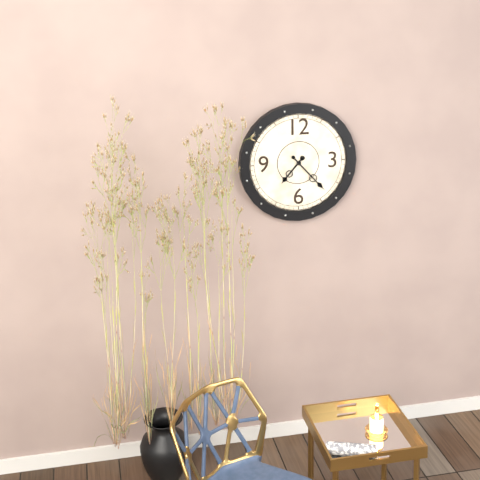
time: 7:23
